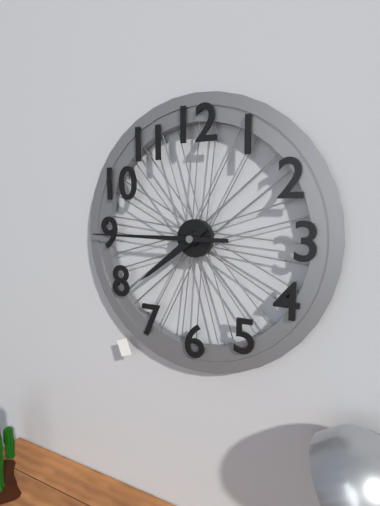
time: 7:45
